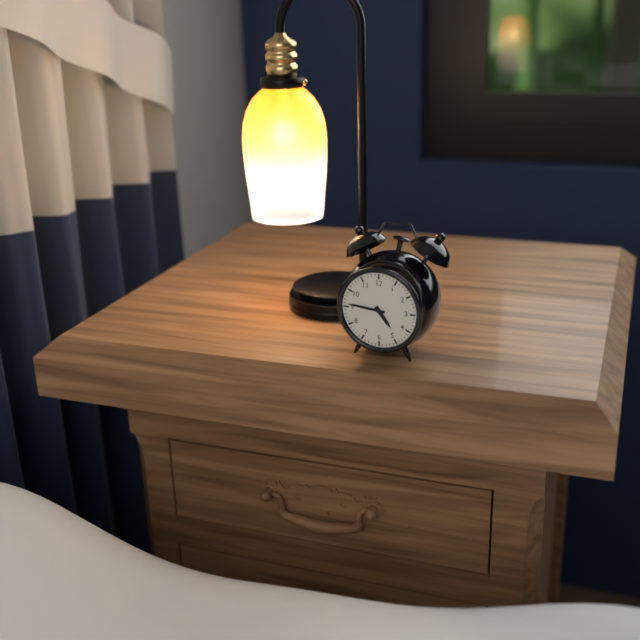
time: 4:46
